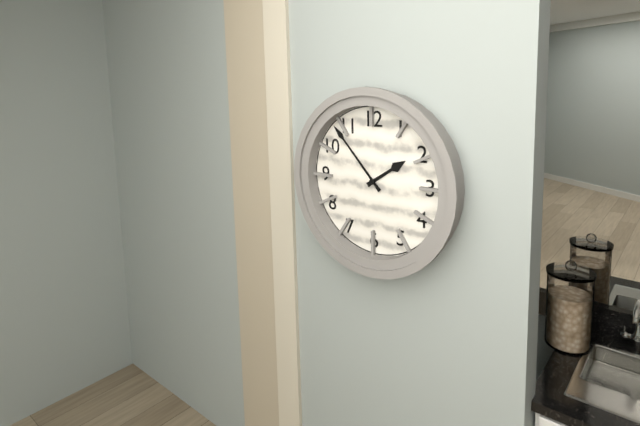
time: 1:53
